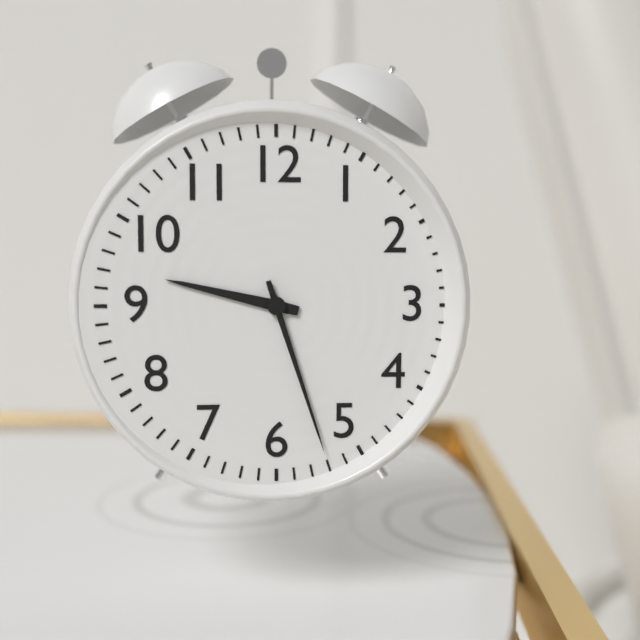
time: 9:27
